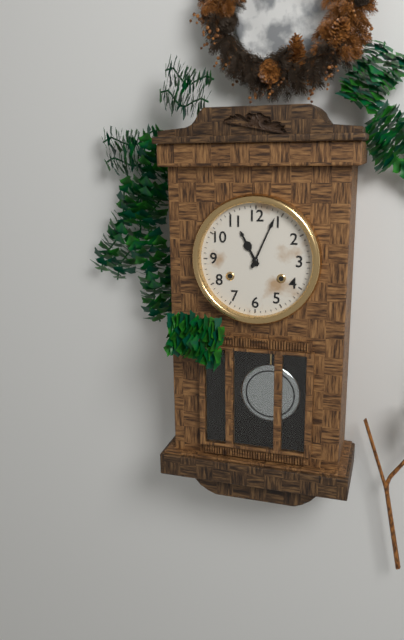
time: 11:04
